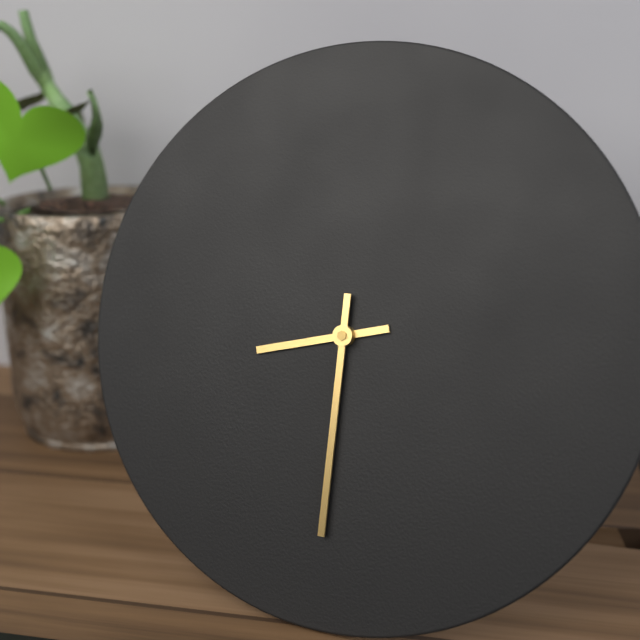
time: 8:30
